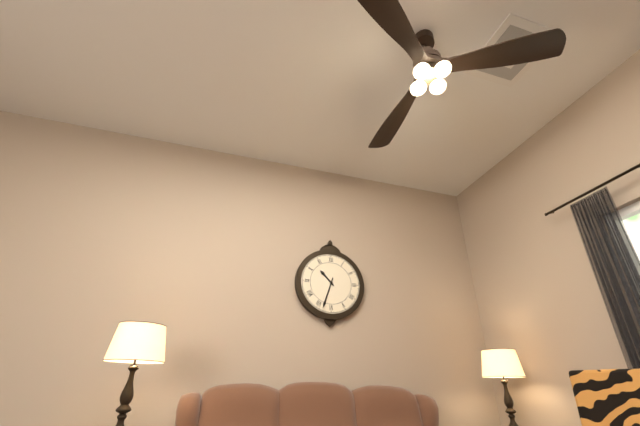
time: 10:33
